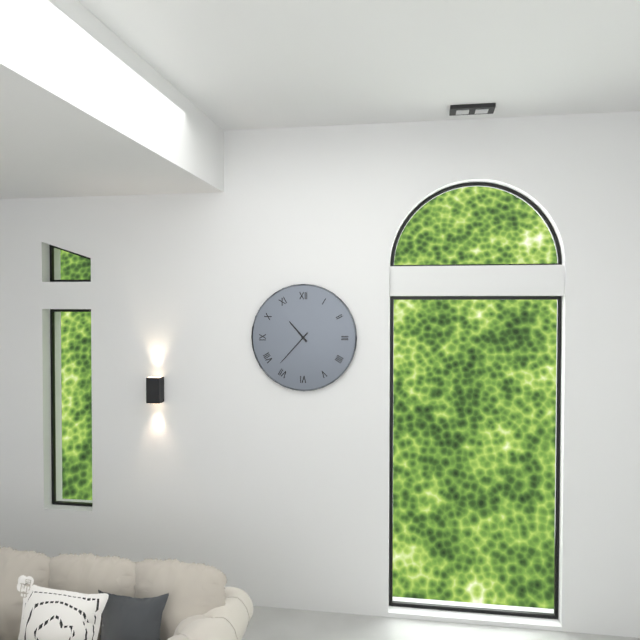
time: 10:37
